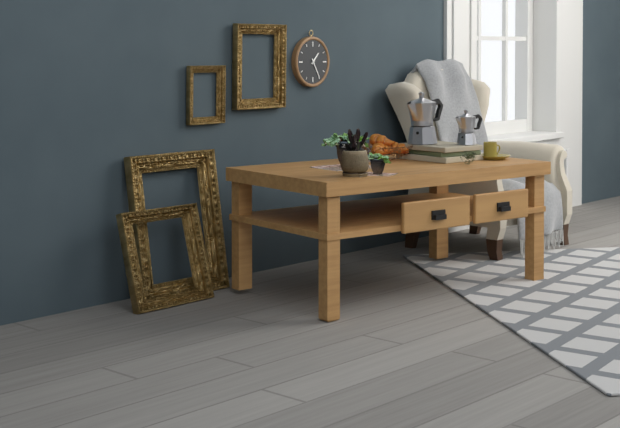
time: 1:25
